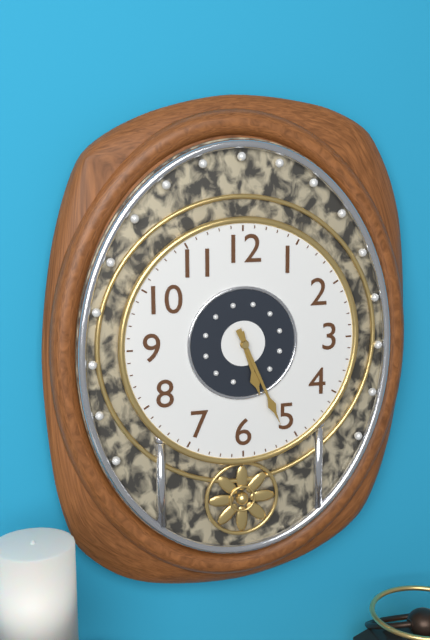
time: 5:26
